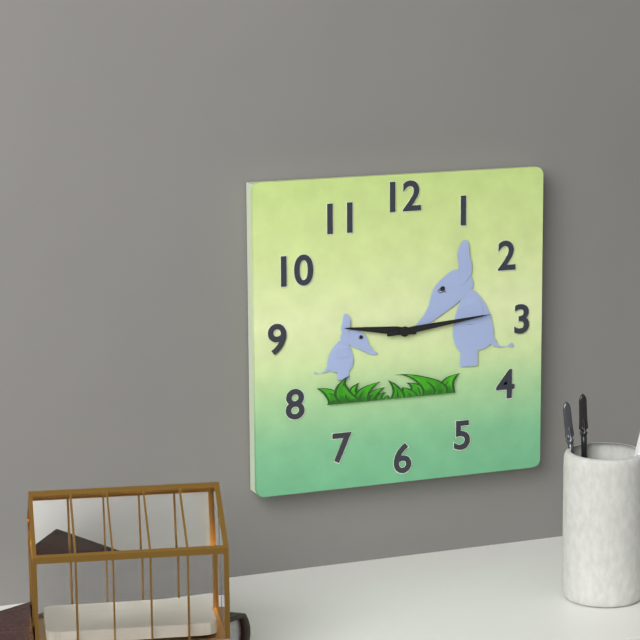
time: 9:14
